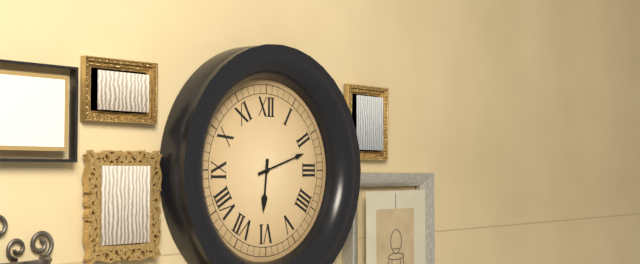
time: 6:12
